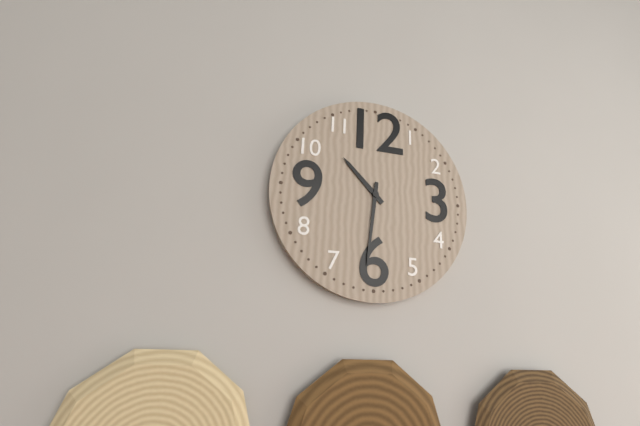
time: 10:31
